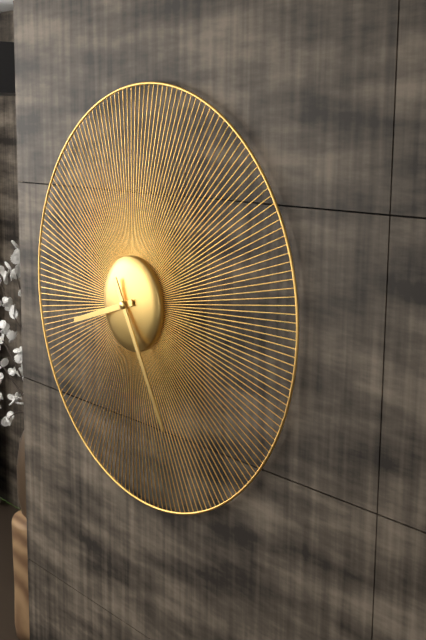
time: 8:25
